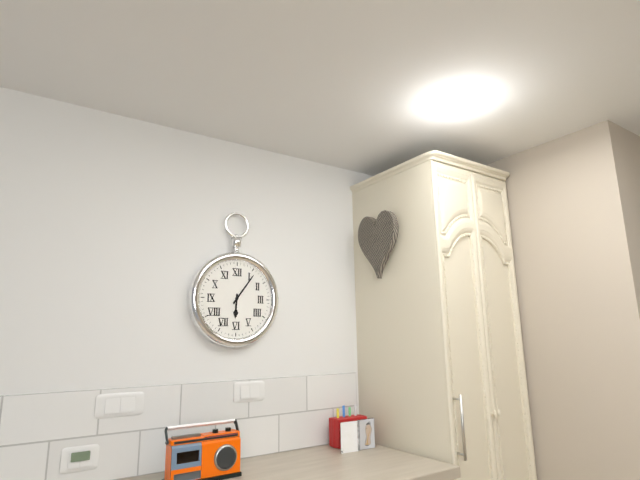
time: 6:06
